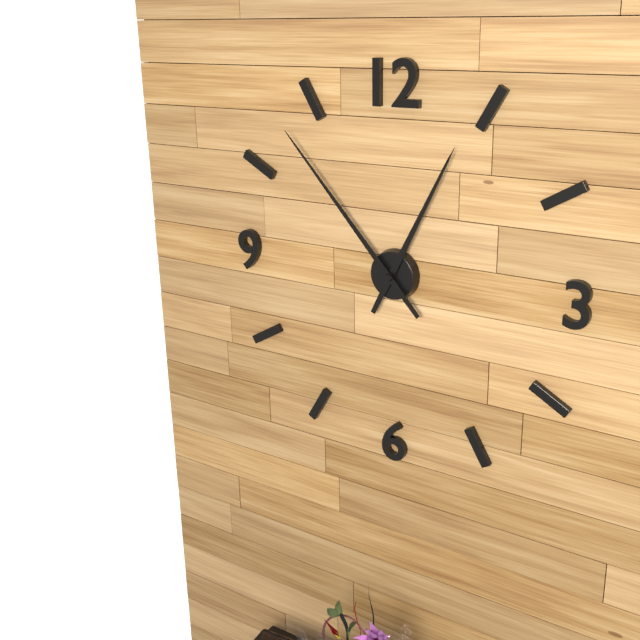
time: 12:53
